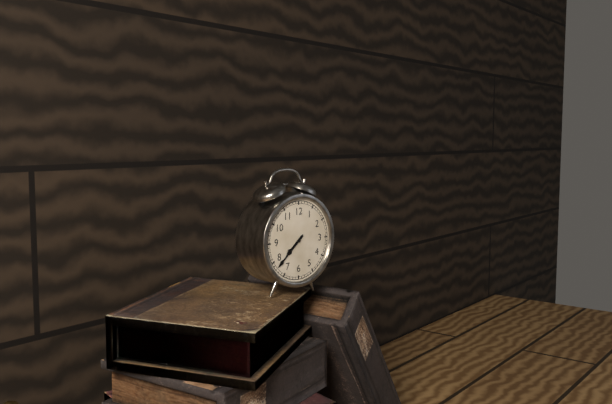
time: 7:38
